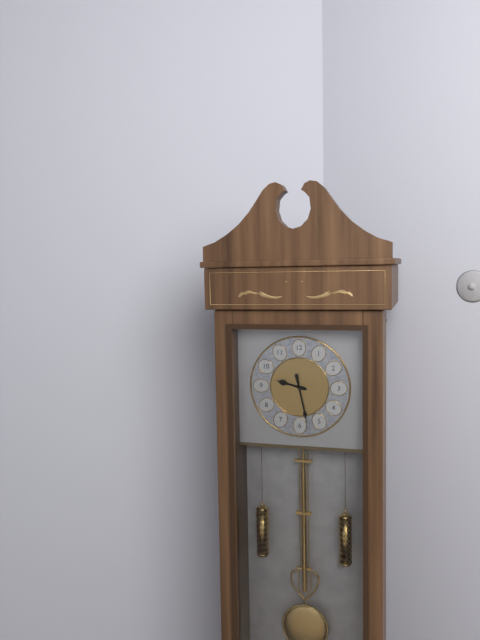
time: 9:28
